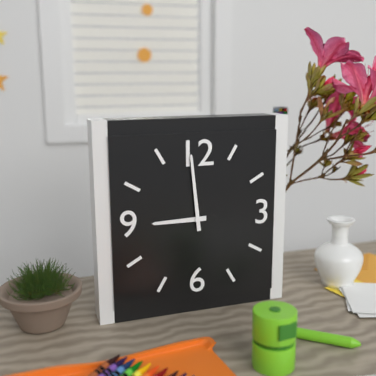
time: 8:59
